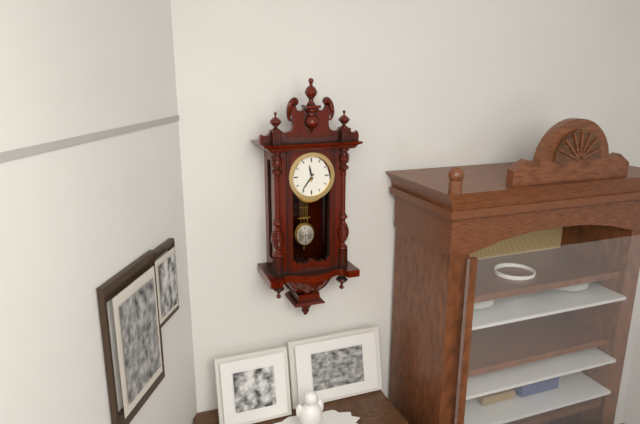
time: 11:36
